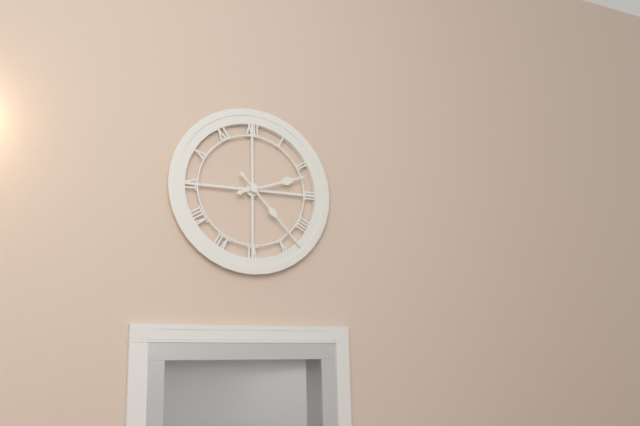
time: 2:23
